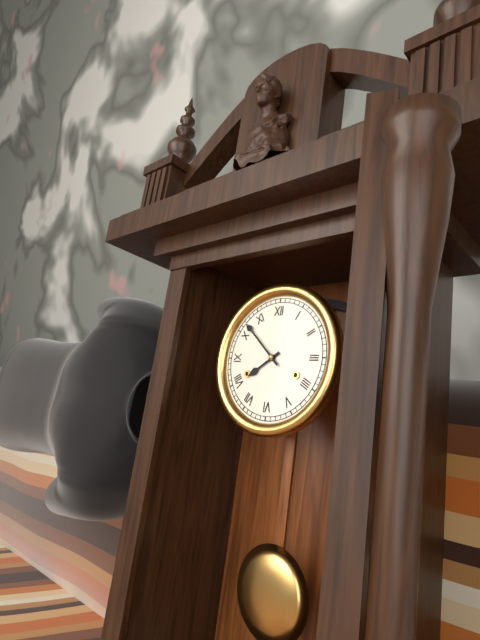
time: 7:52
